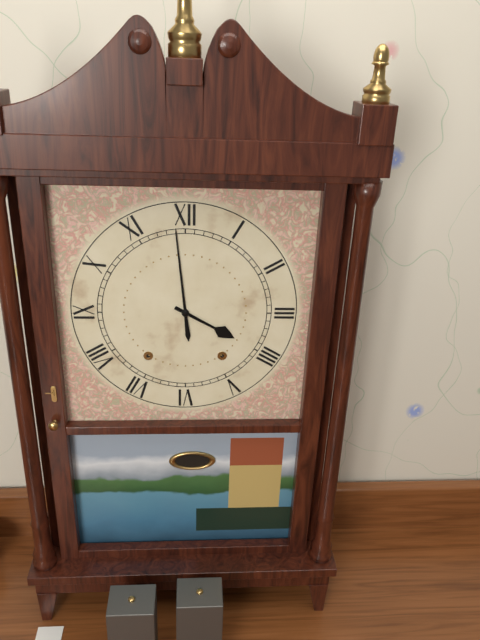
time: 3:59
